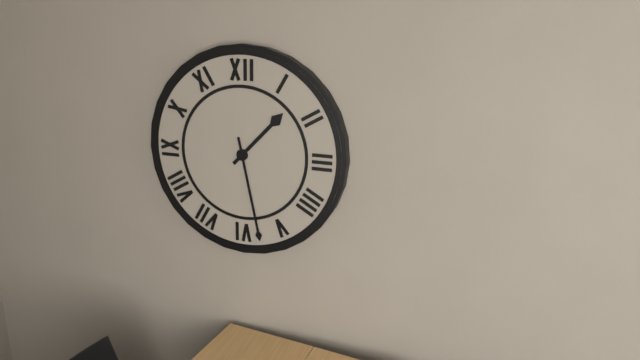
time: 1:28
